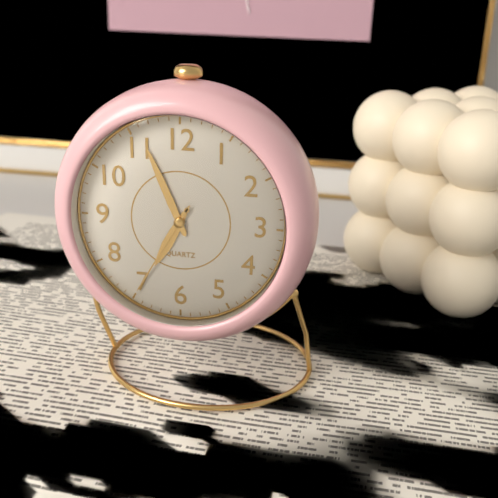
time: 6:56:35
